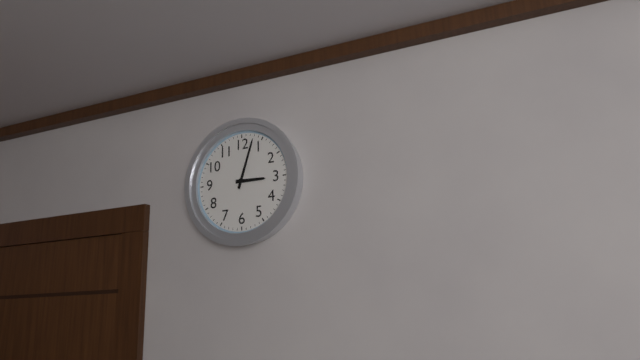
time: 3:03
